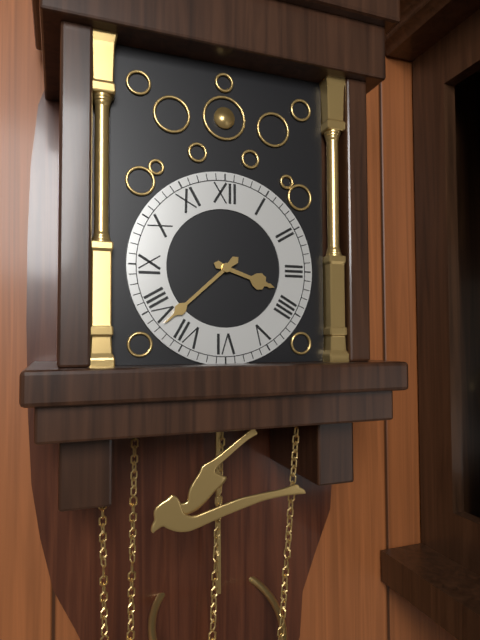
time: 3:38
